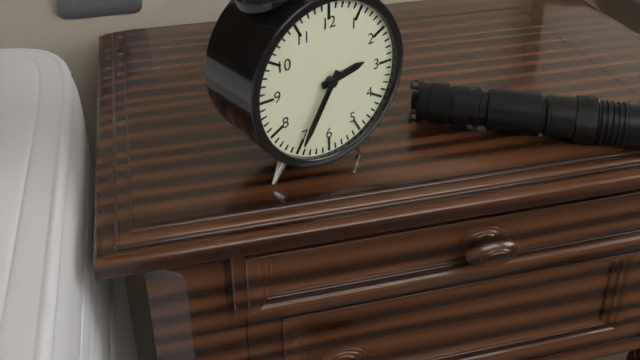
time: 2:35
